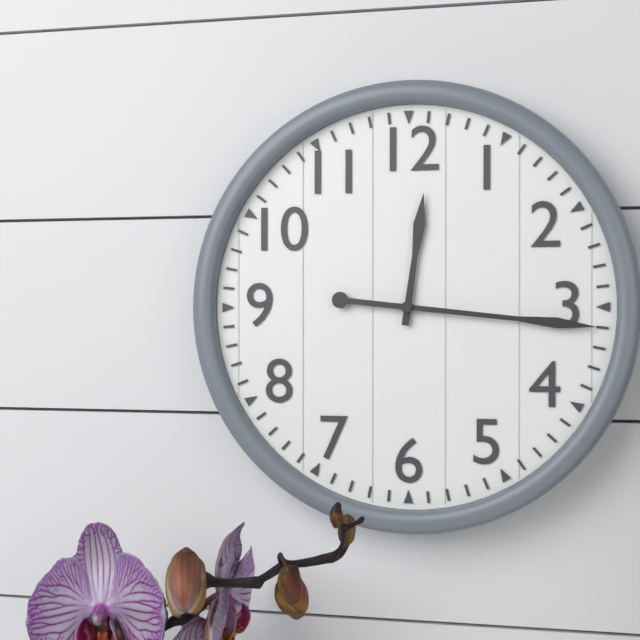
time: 12:16
